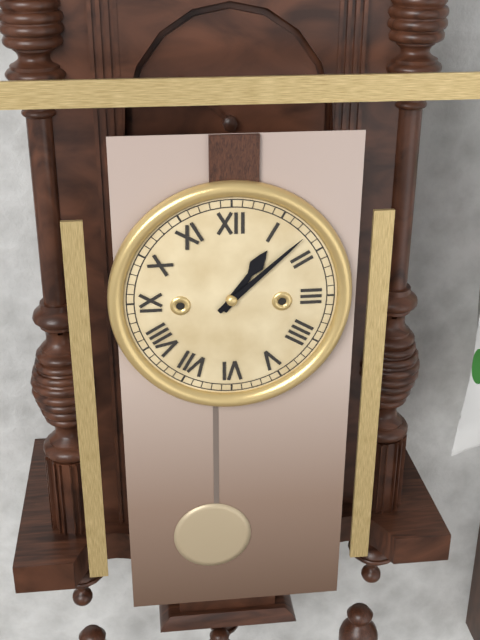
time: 1:08
